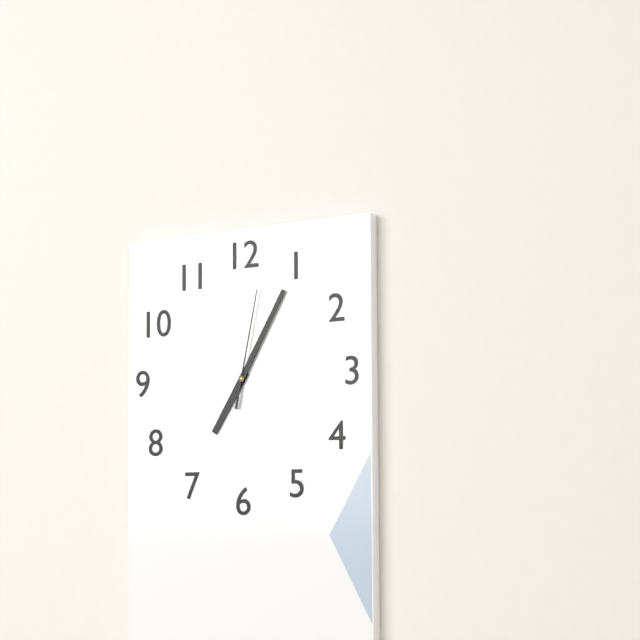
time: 7:05:02
